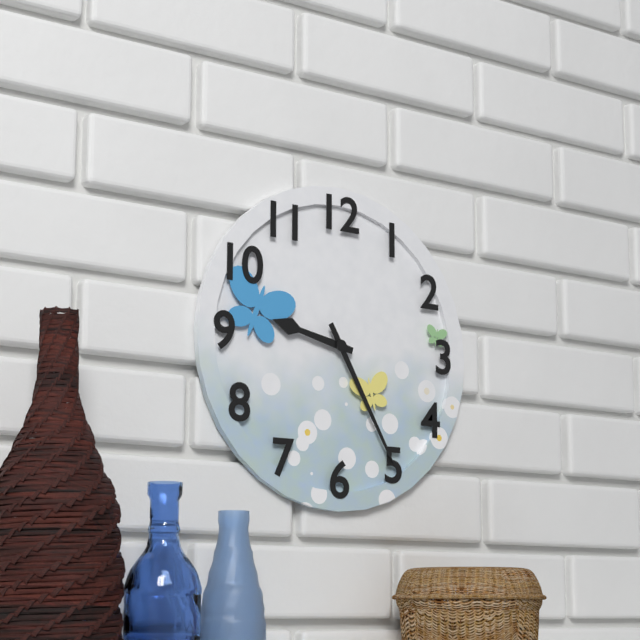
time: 9:25
